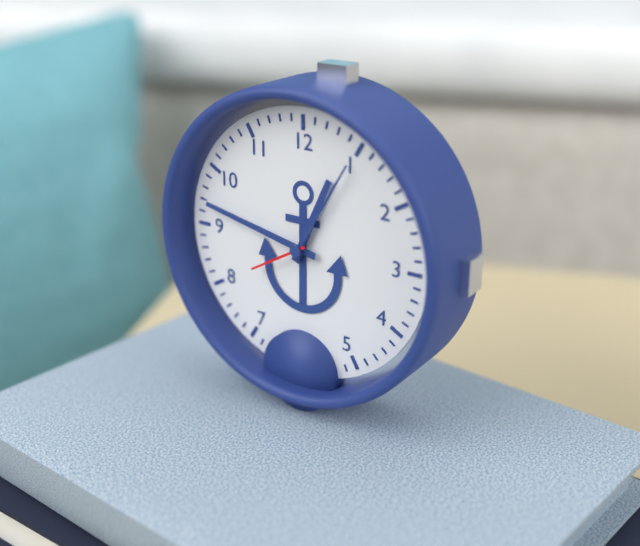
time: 12:47:40
